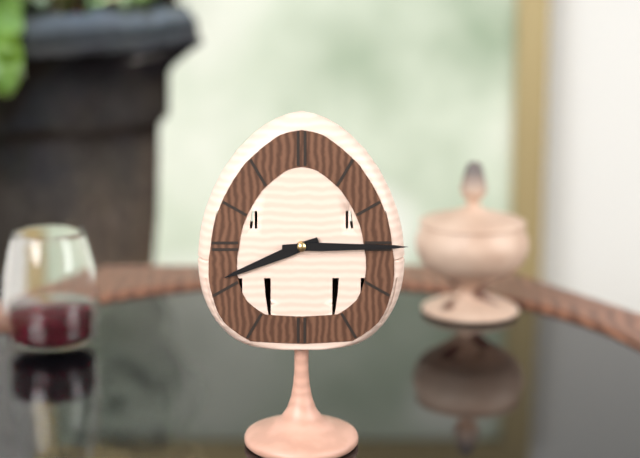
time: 8:15
